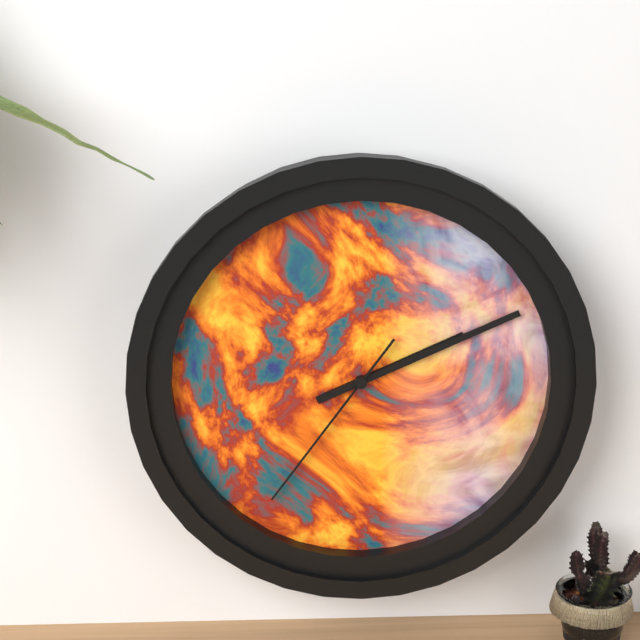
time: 2:11:36
